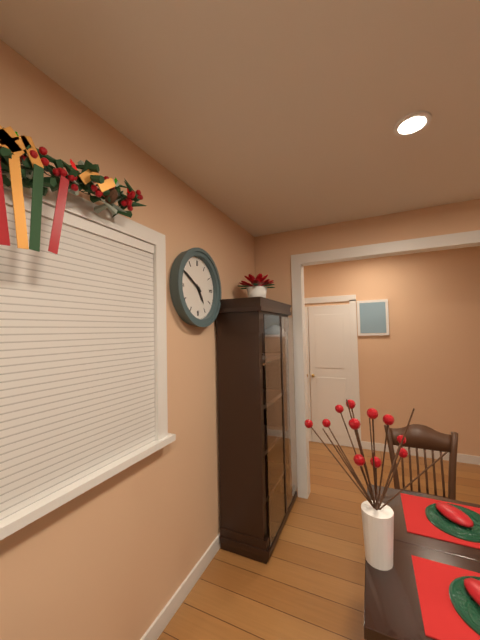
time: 4:50
